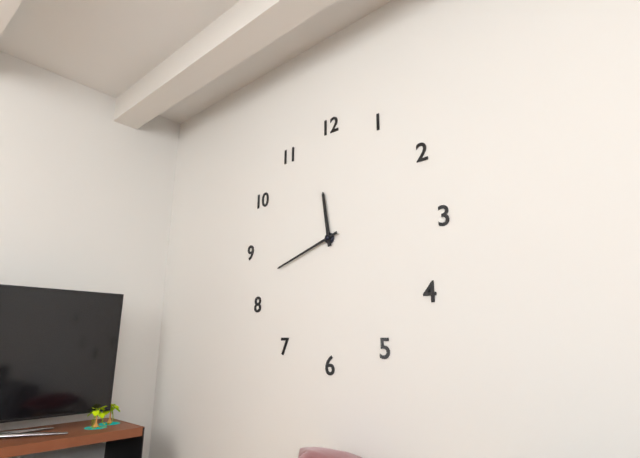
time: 11:42
